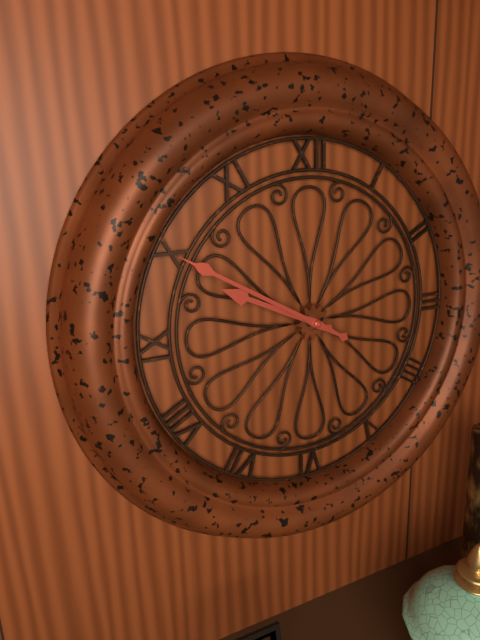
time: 9:50
